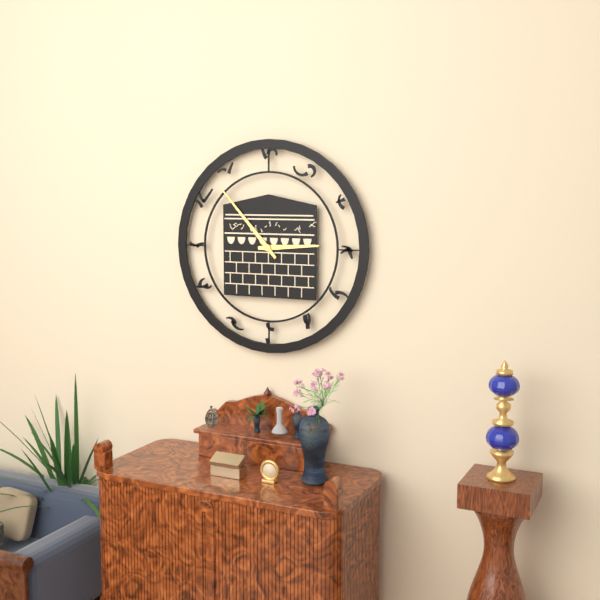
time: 2:53
